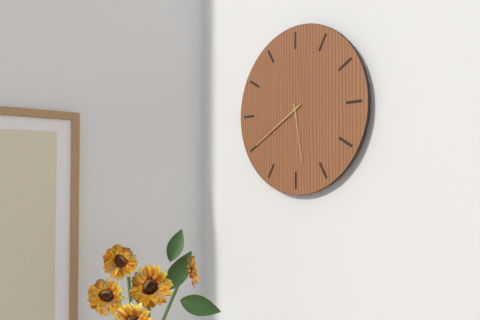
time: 5:40
